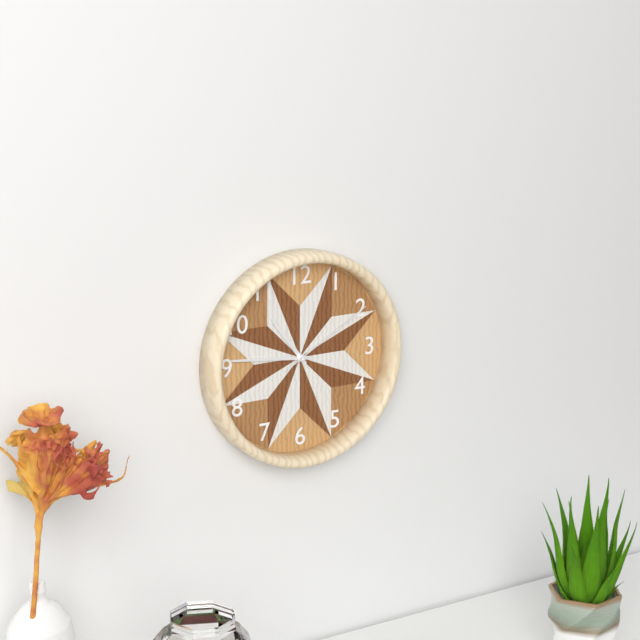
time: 10:46:10
